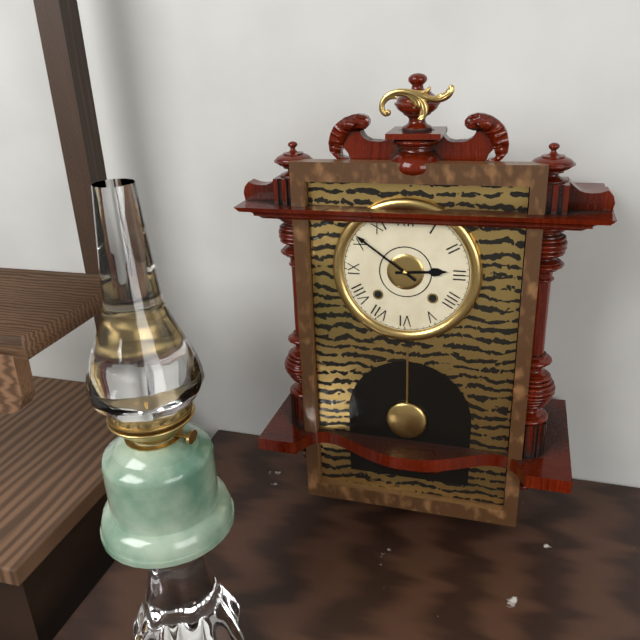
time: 2:51
